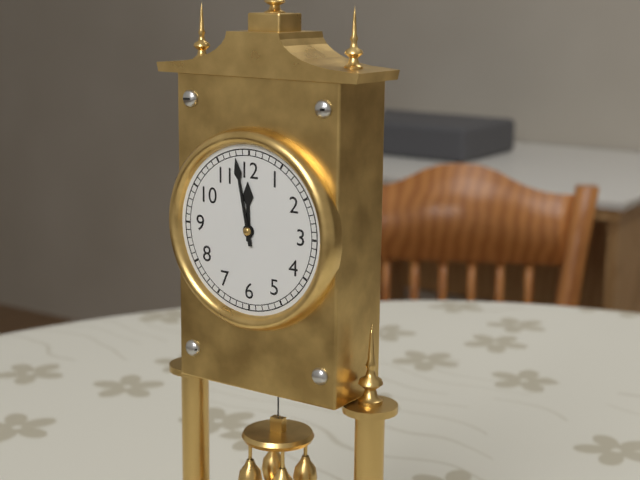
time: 11:58
